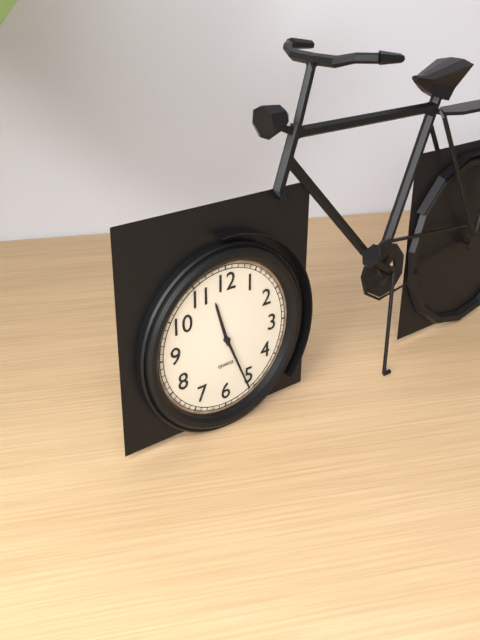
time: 11:26
